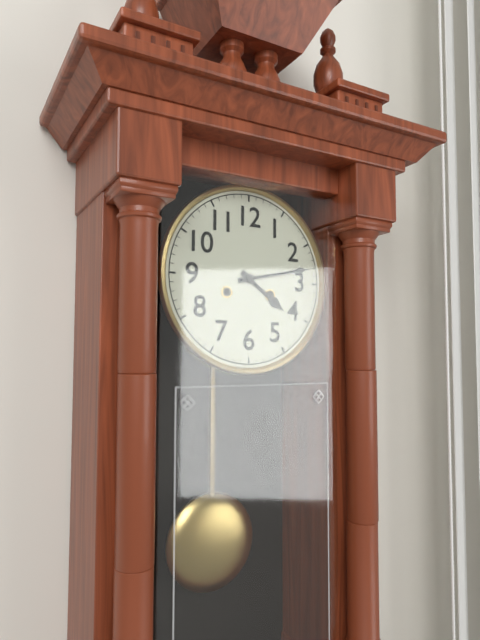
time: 4:13
